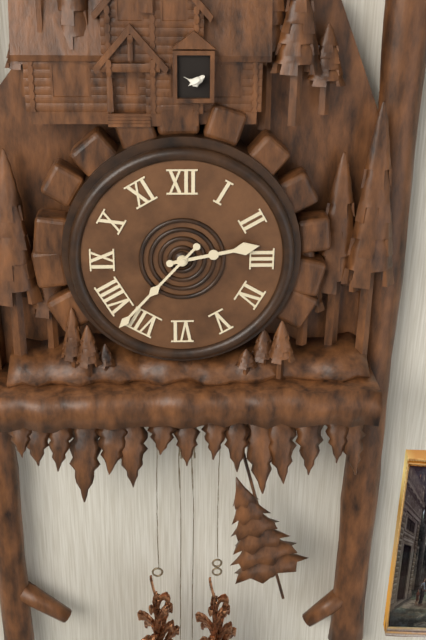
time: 2:37
